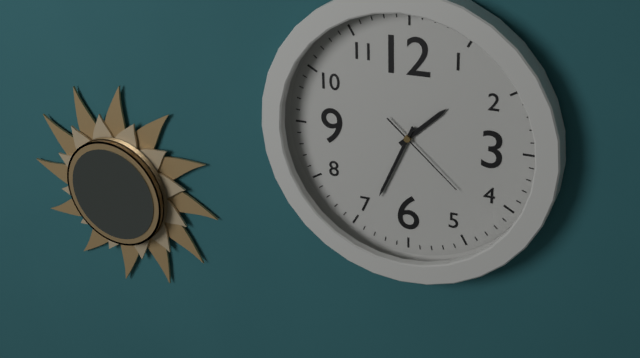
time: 1:34:22
